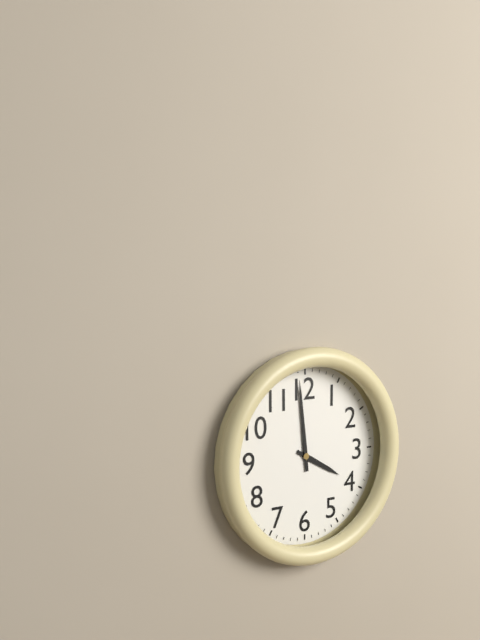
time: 3:59
